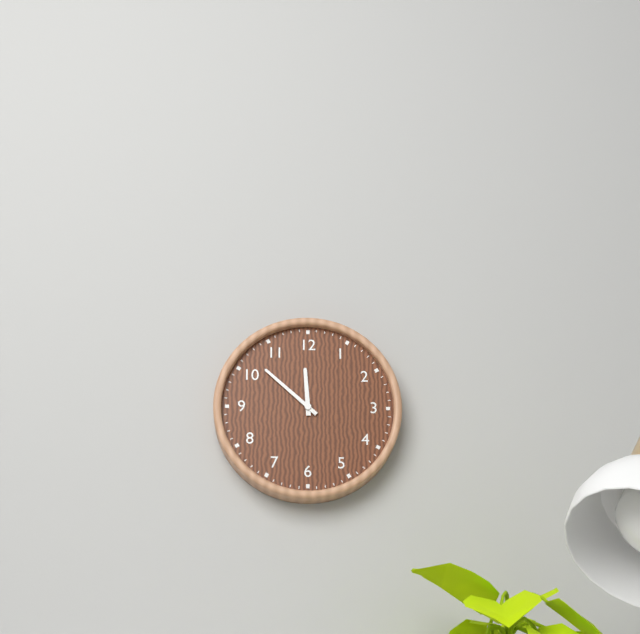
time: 11:52
